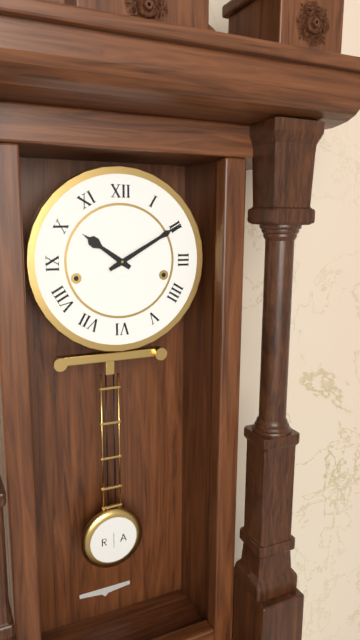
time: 10:10
